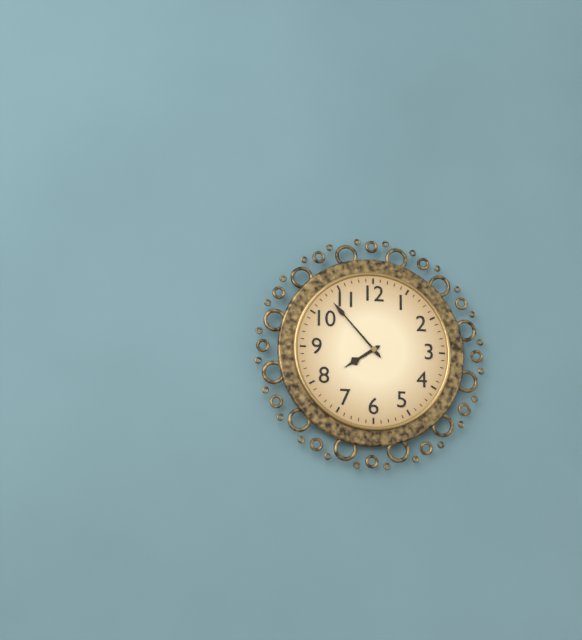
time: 7:53
